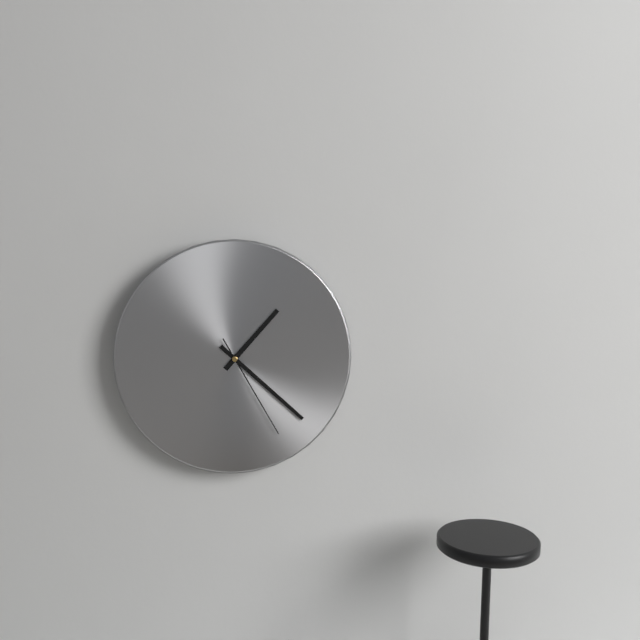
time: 1:22:25
